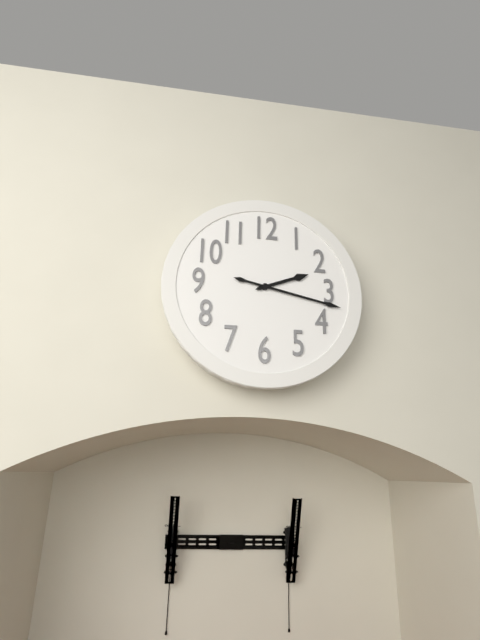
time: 2:17
